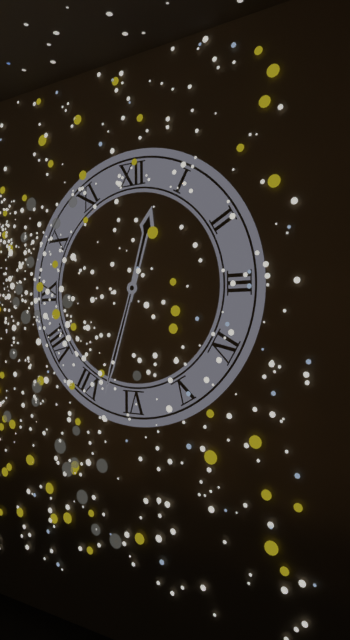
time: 12:33
